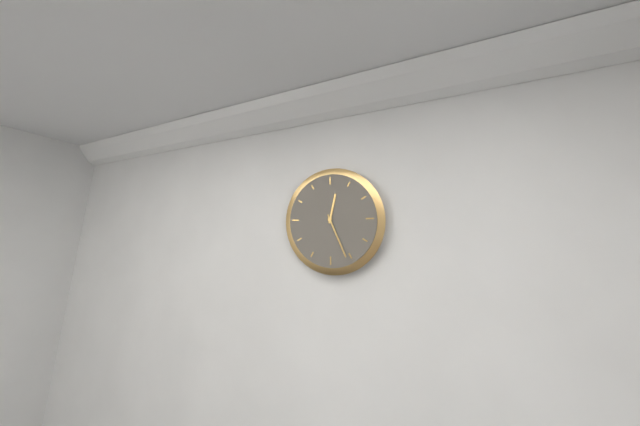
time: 12:26
